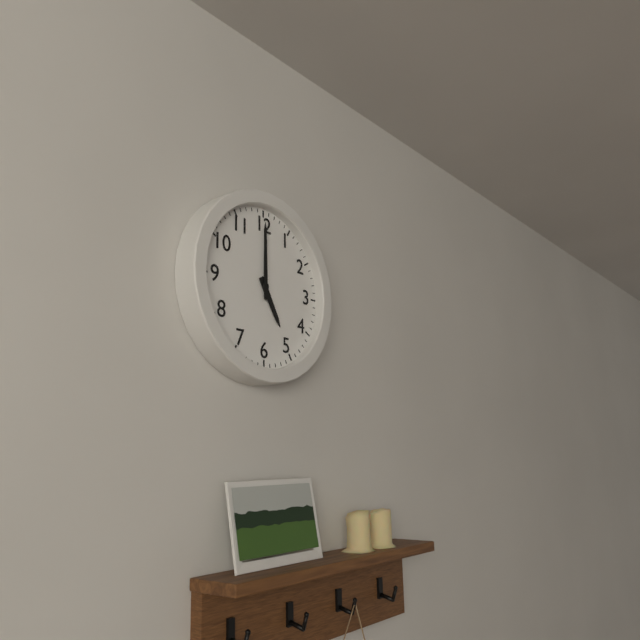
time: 5:00
